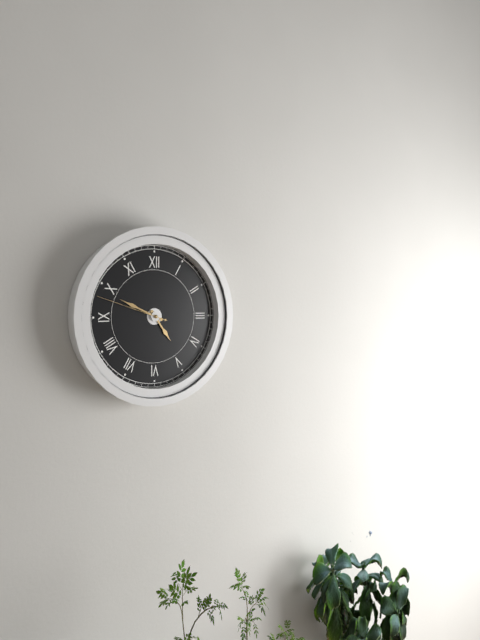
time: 4:49:48
